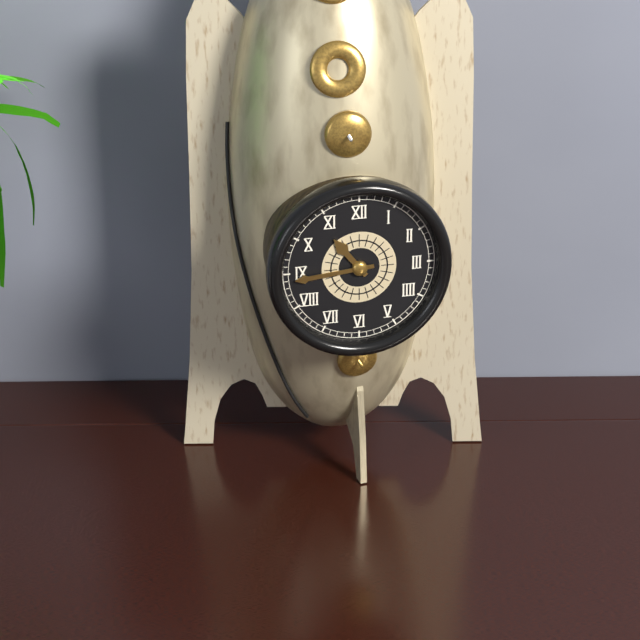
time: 10:44
